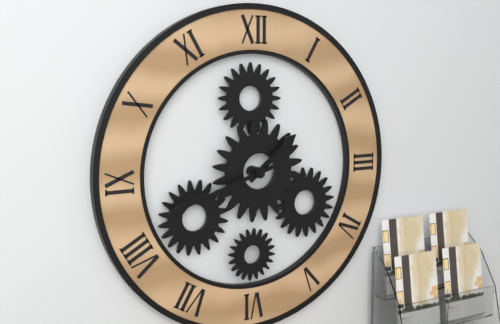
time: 1:42
